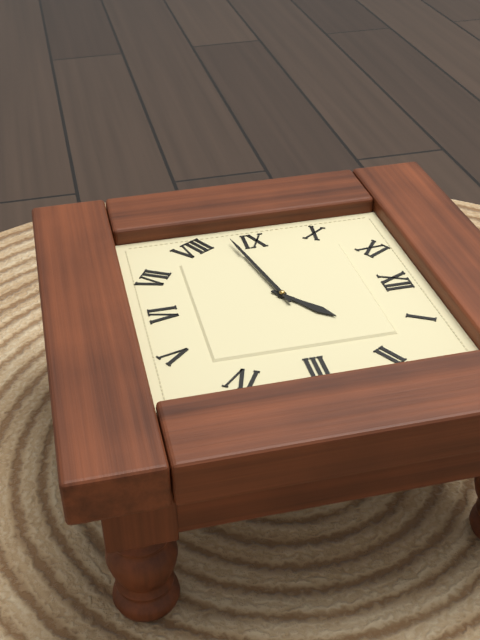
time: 1:43
